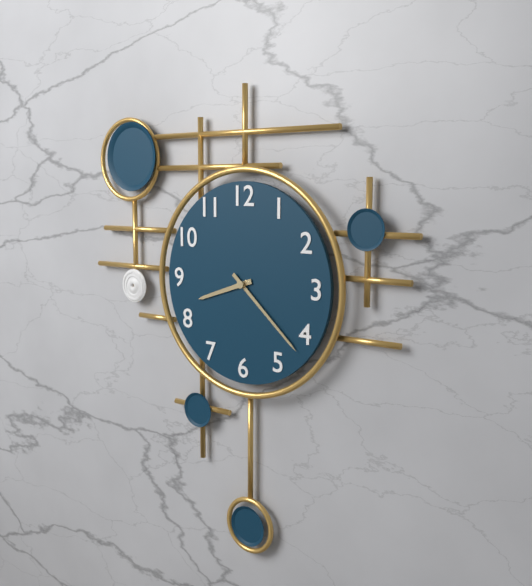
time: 8:22
